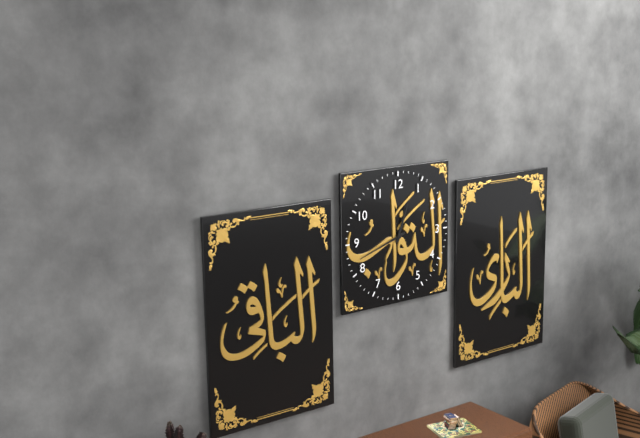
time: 12:42
